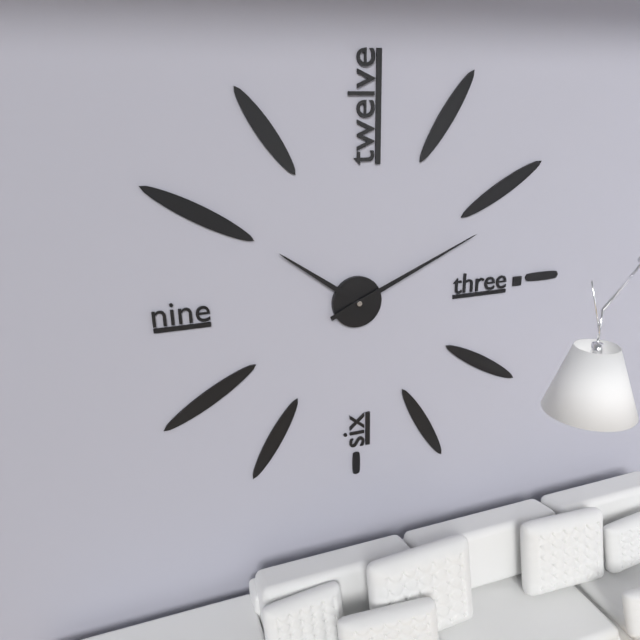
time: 10:11
